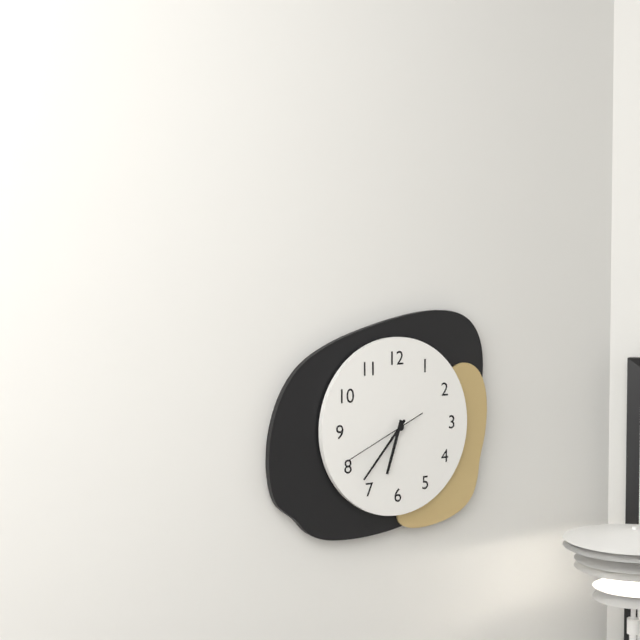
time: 6:37:41
